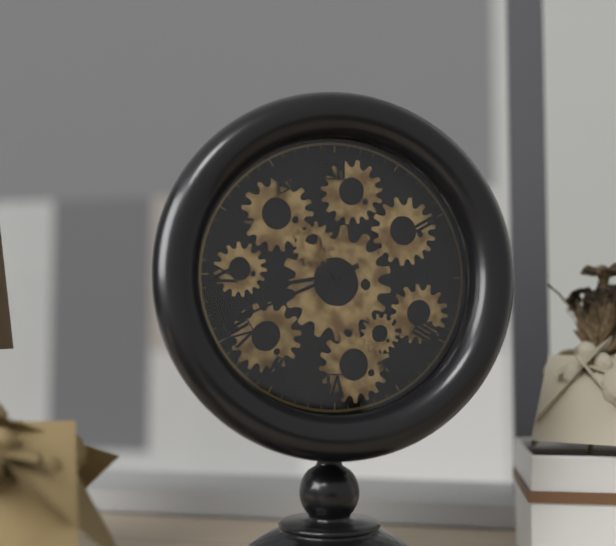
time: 8:41
